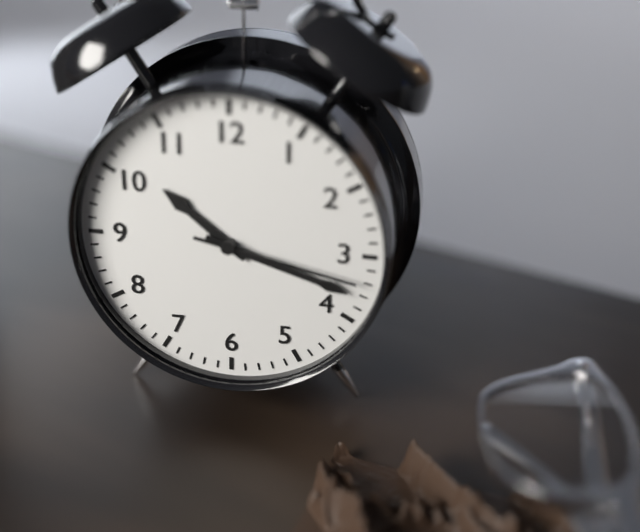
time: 10:18:17
